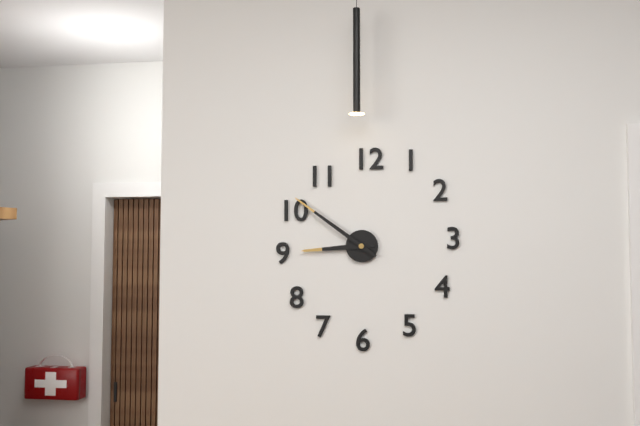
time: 8:51
